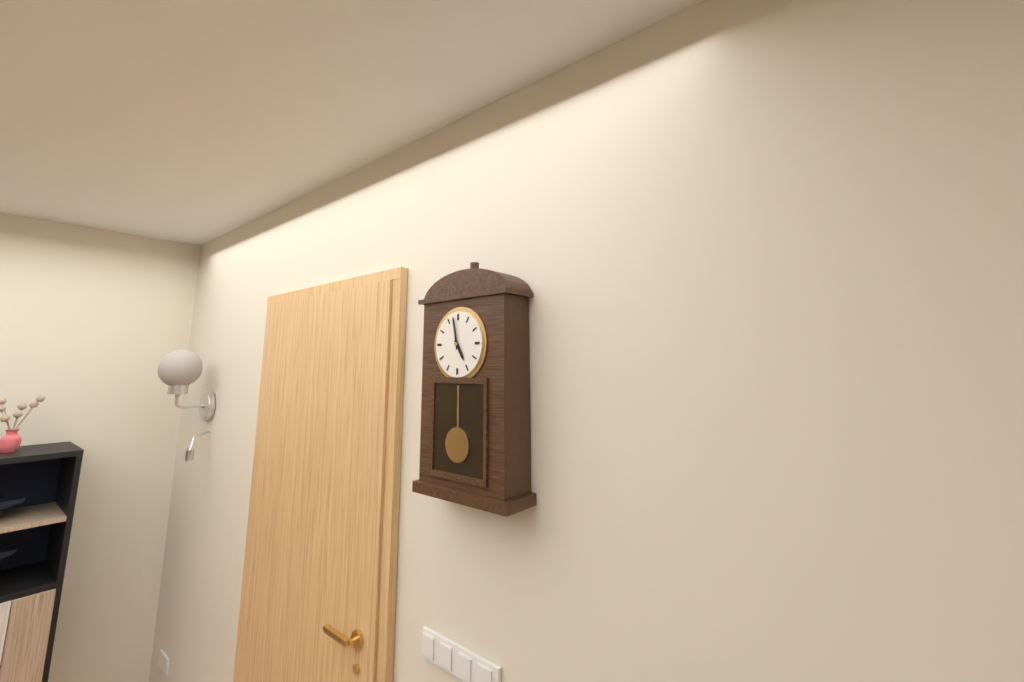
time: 4:58
